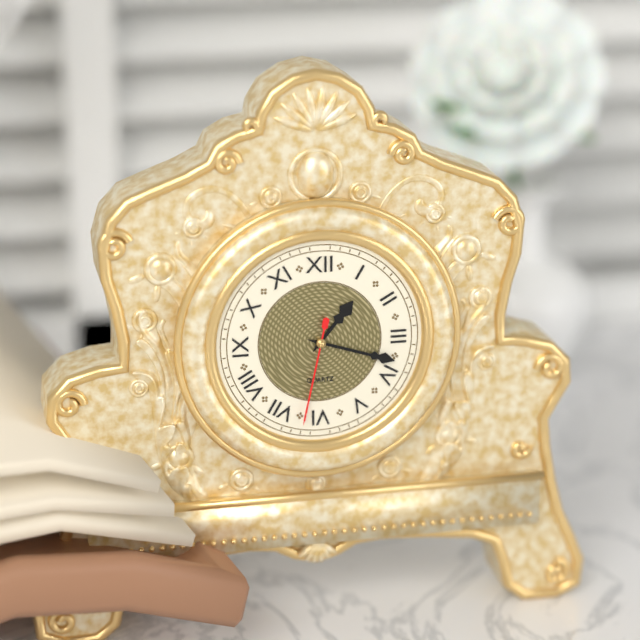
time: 1:18:32
